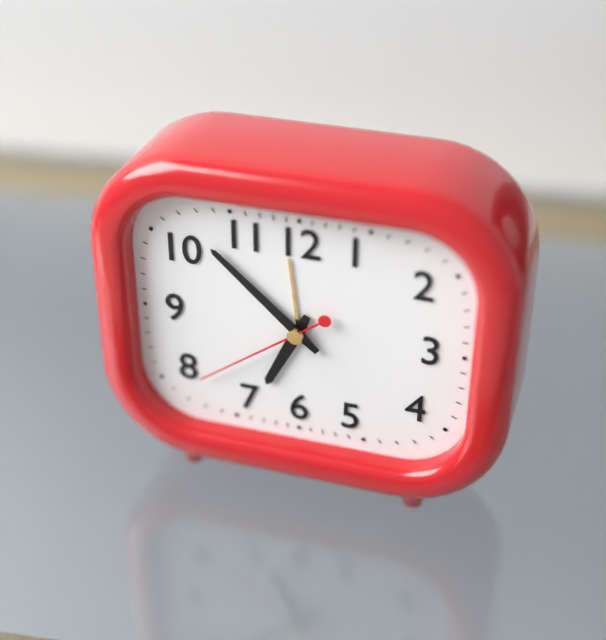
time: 6:52:39
